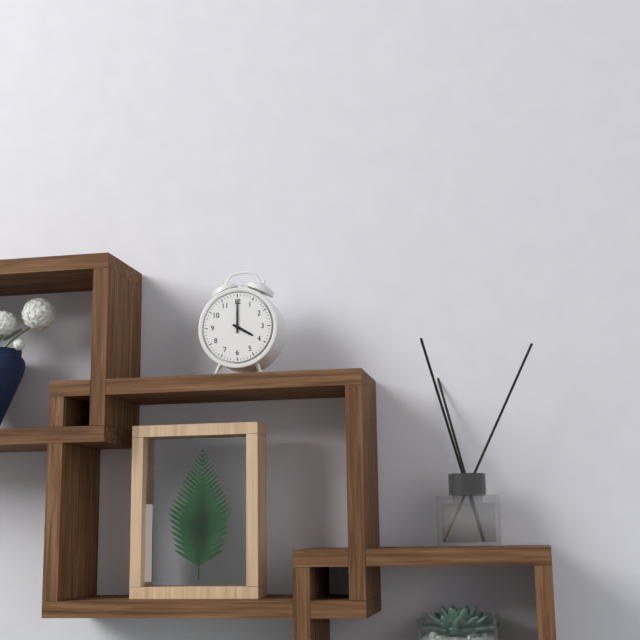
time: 4:00
